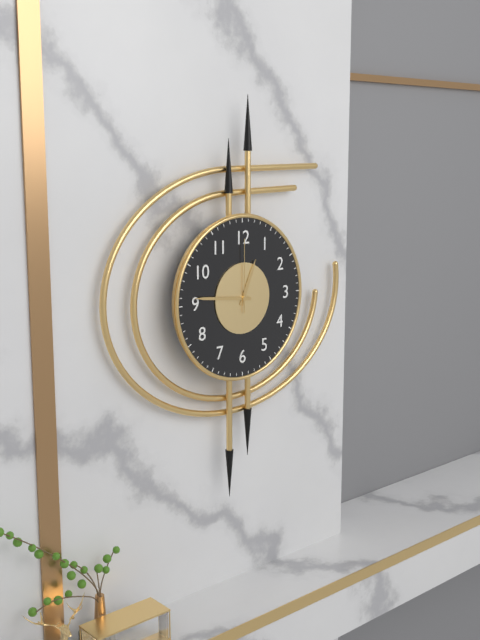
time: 12:46:00
